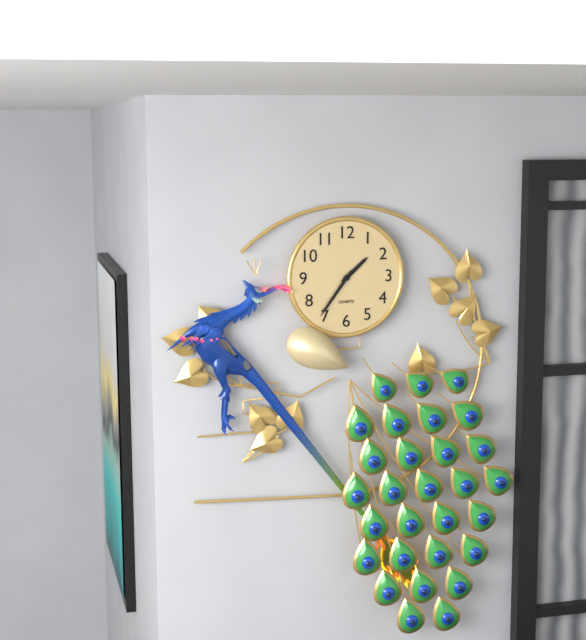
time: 1:36
